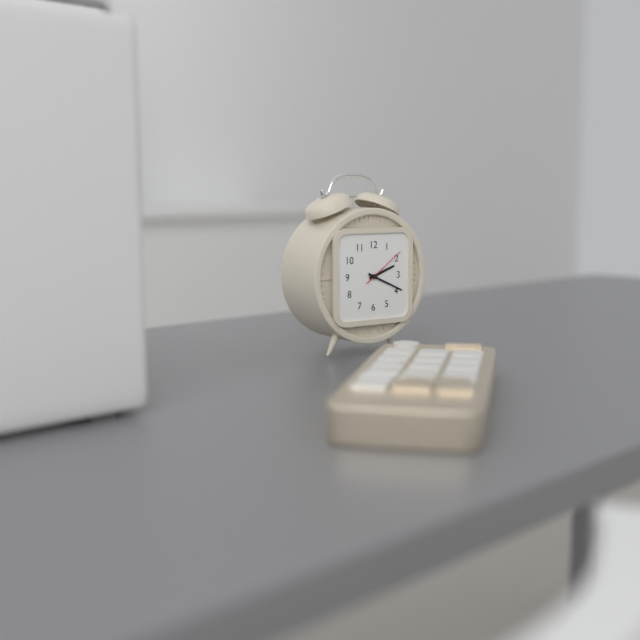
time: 2:19
